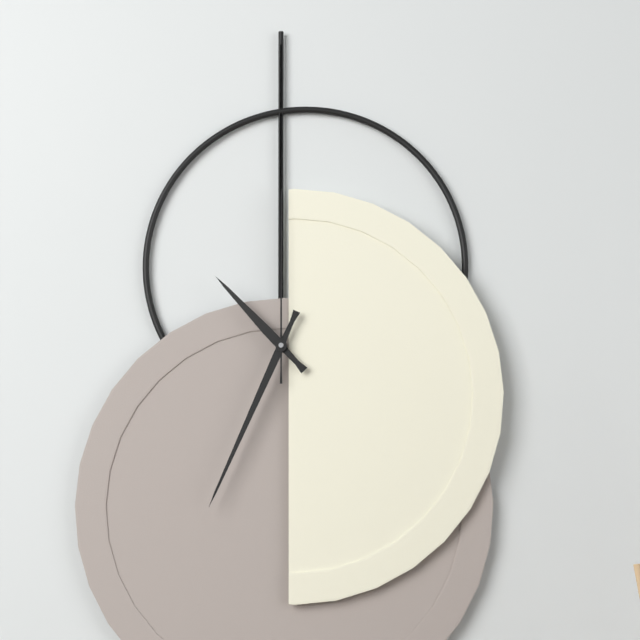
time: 10:34:00
